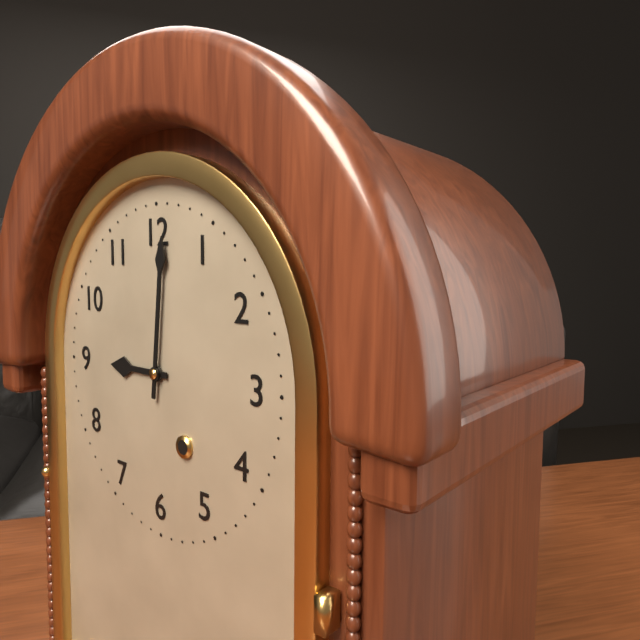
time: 9:01
